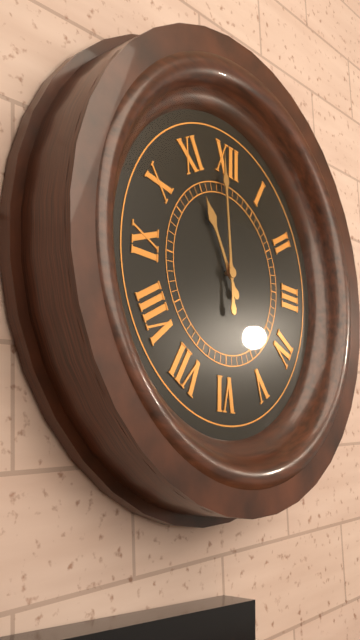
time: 10:59
